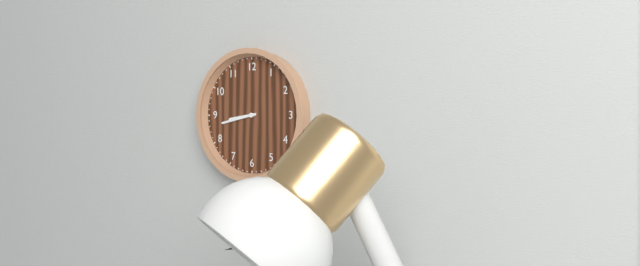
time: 8:43
